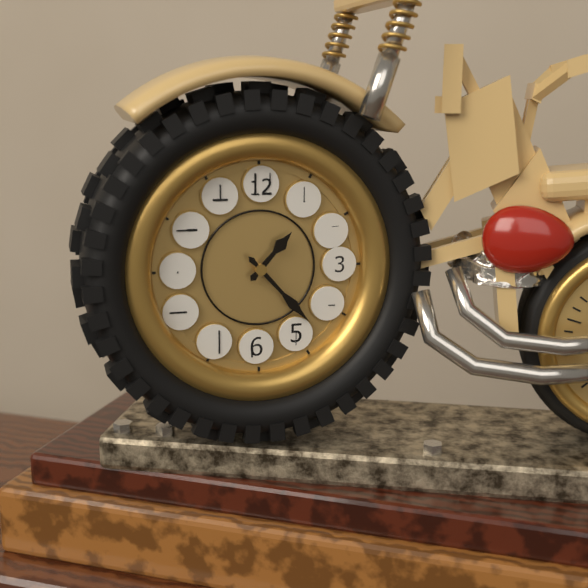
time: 1:23
